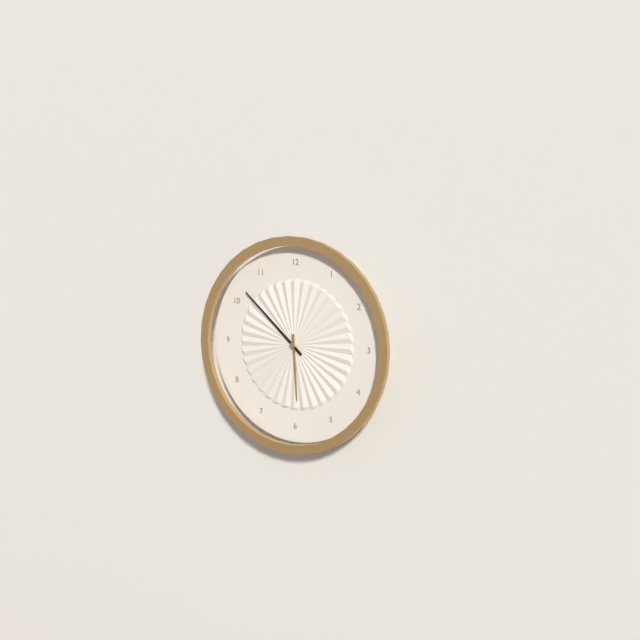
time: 5:52
